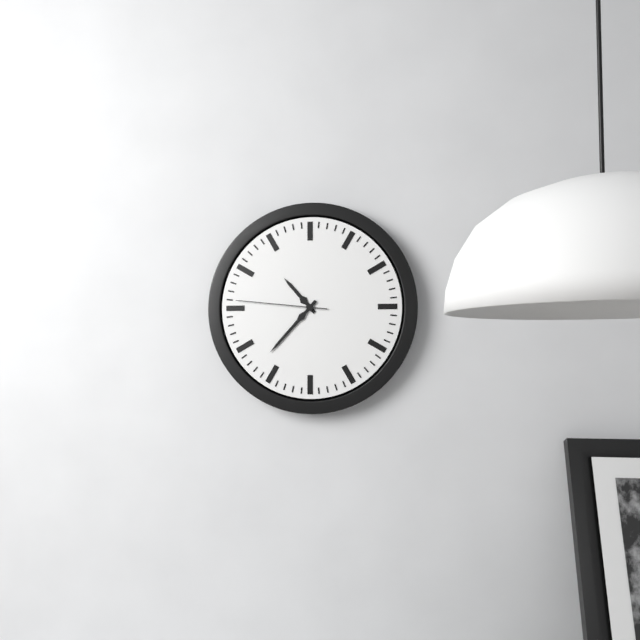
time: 10:37:46
